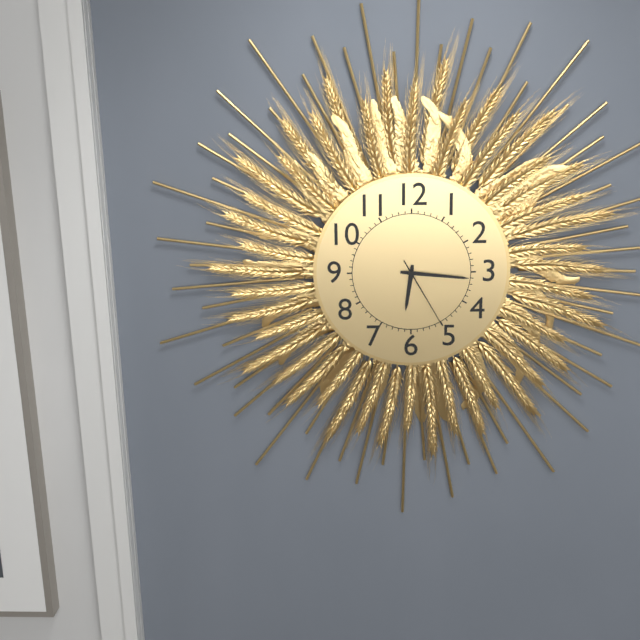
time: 6:16:25
